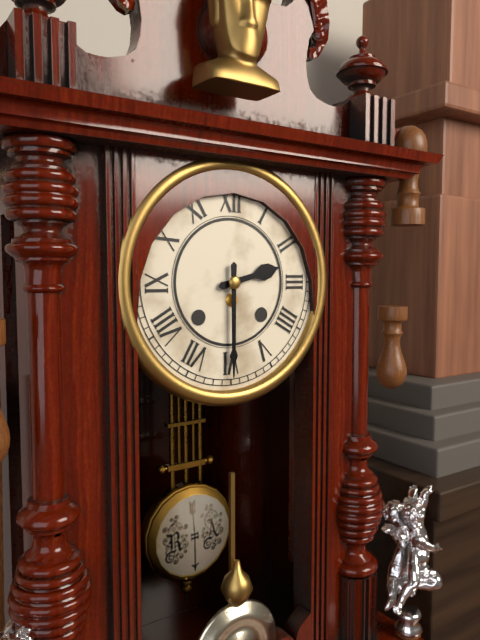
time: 2:30
